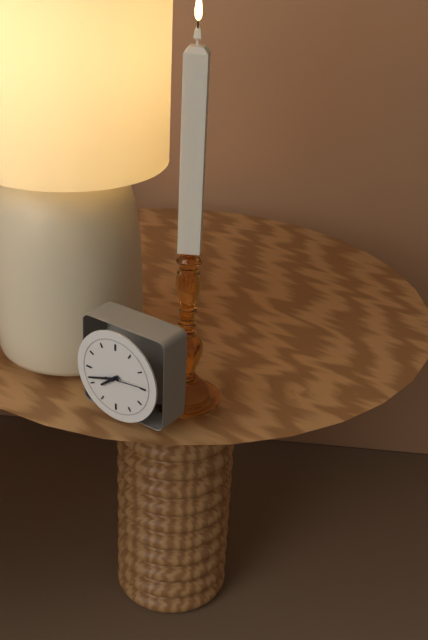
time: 7:42
